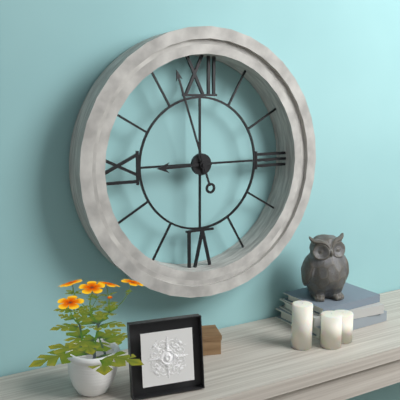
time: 8:57
